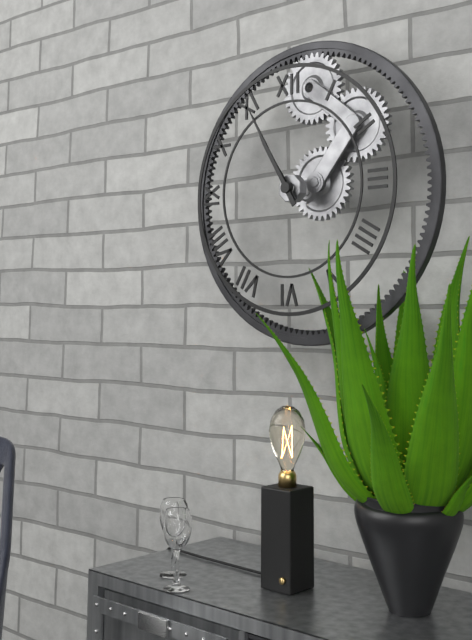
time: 10:55
